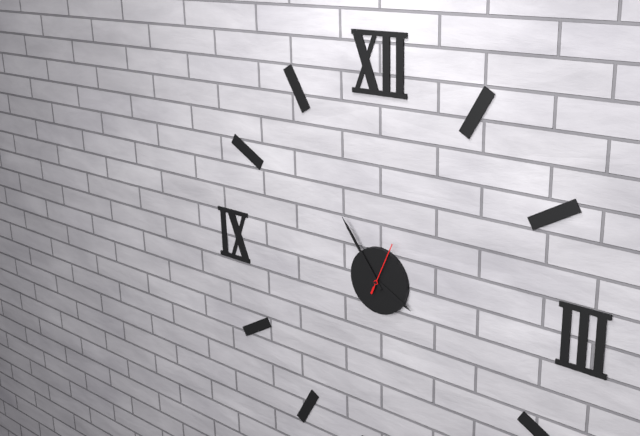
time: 3:54
